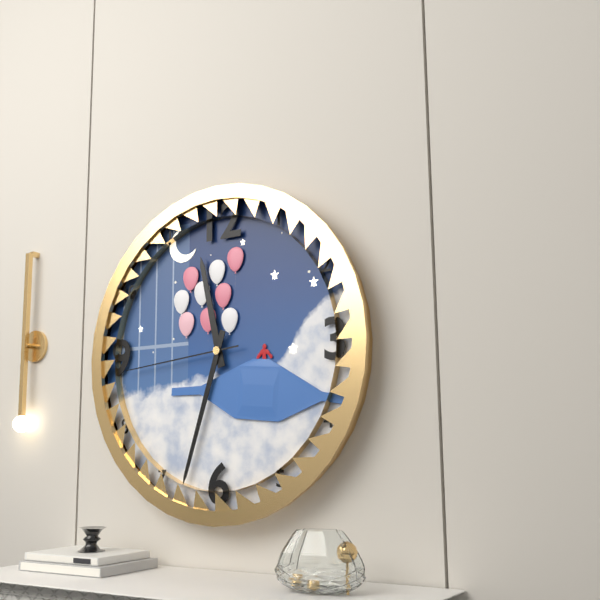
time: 11:33:44
